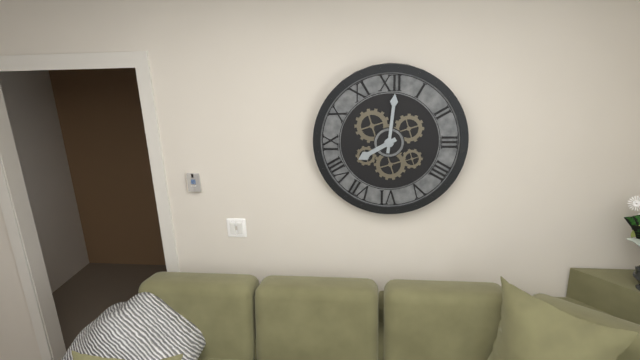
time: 8:01
